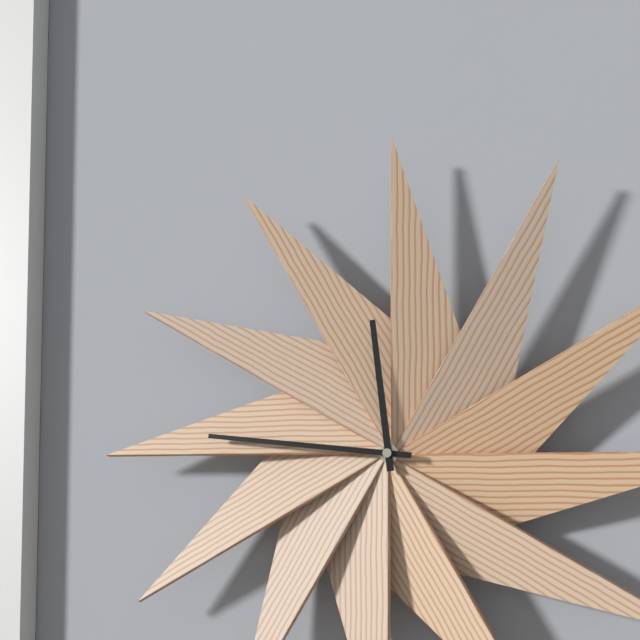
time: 11:46
